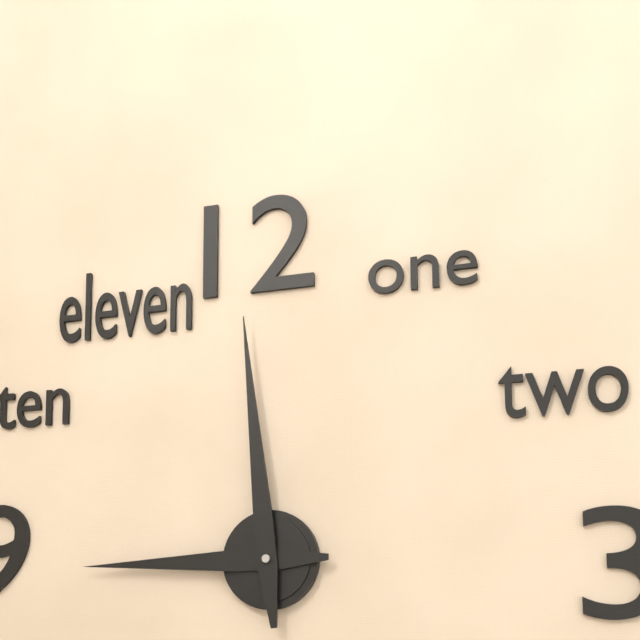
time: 8:59
